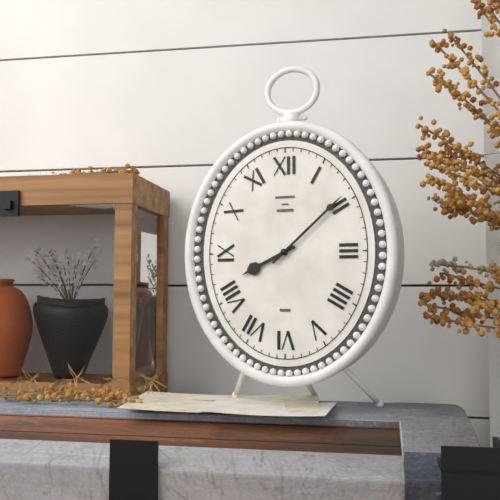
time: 8:08
